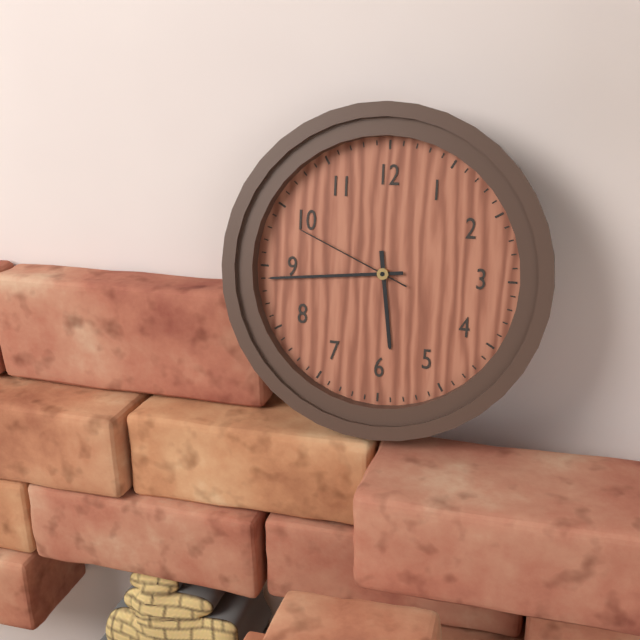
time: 5:44:49
